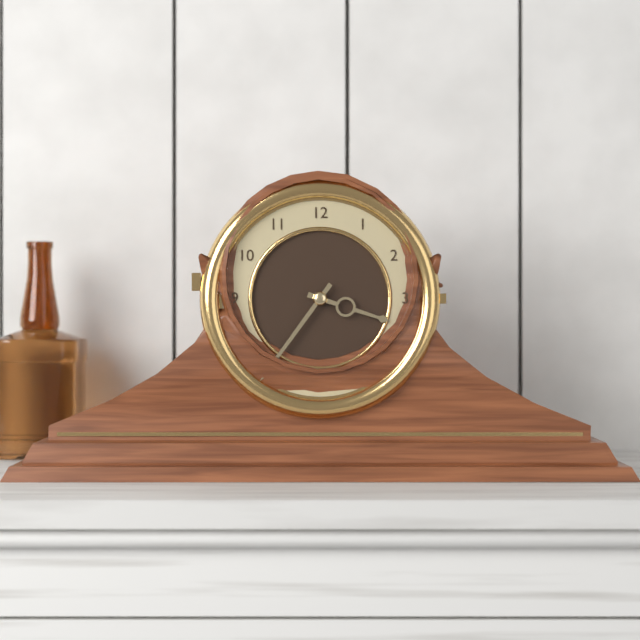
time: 3:36
